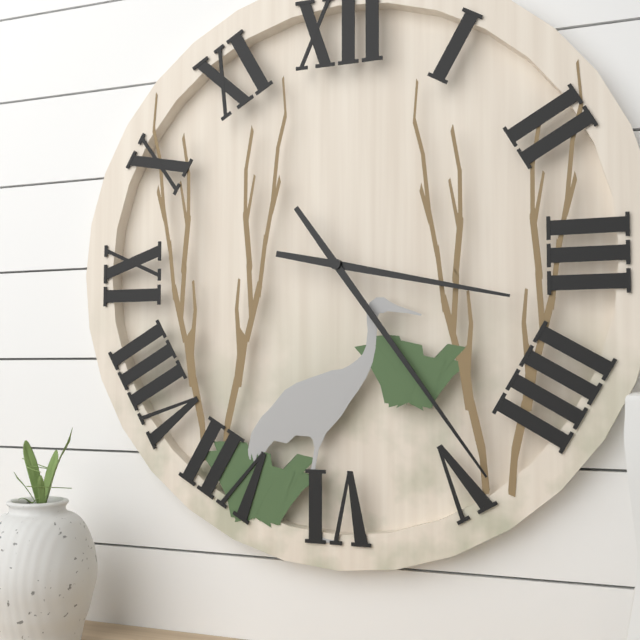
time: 3:24
